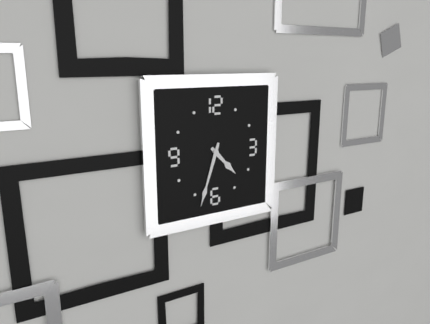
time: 4:33
